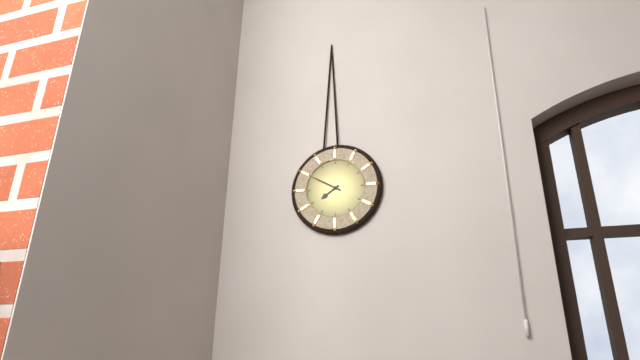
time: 7:50
